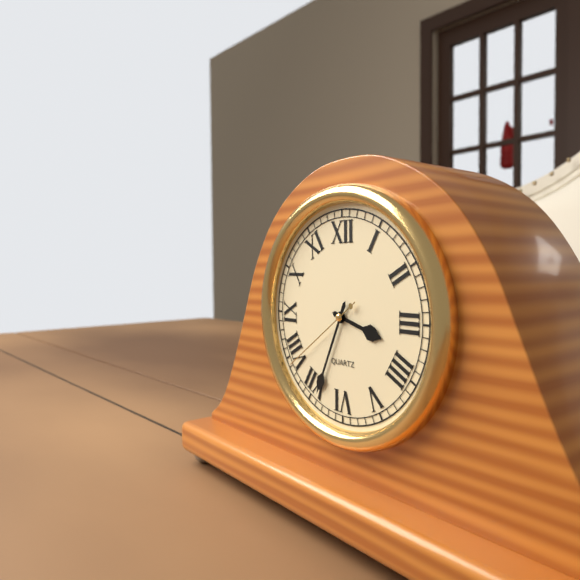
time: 3:34:39
